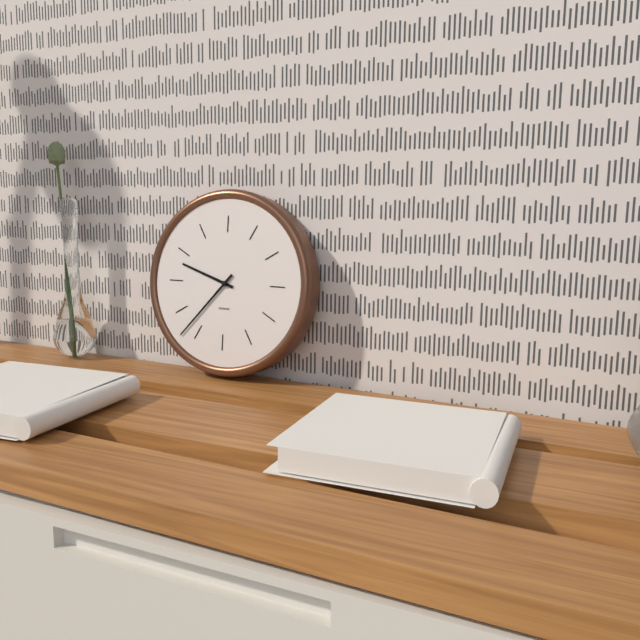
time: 9:37
